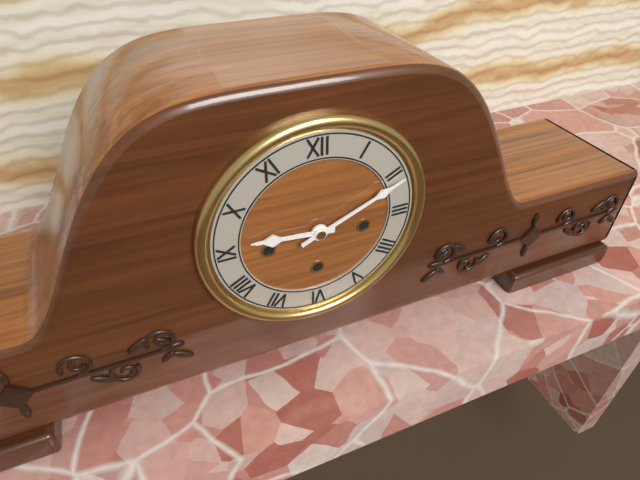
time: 9:11
